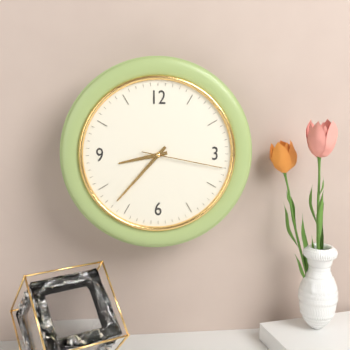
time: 8:37:17
